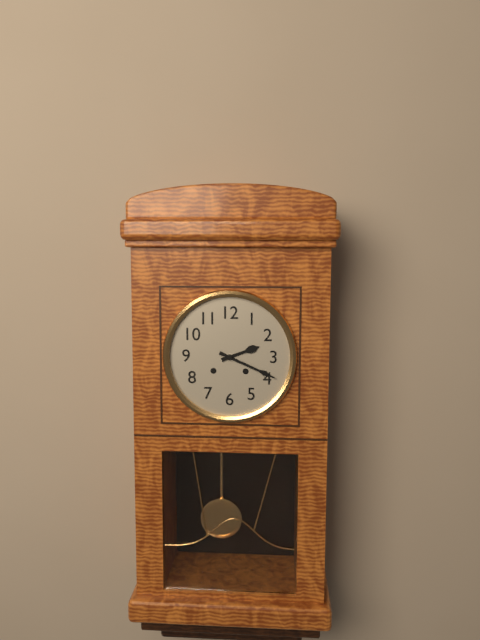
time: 2:19
